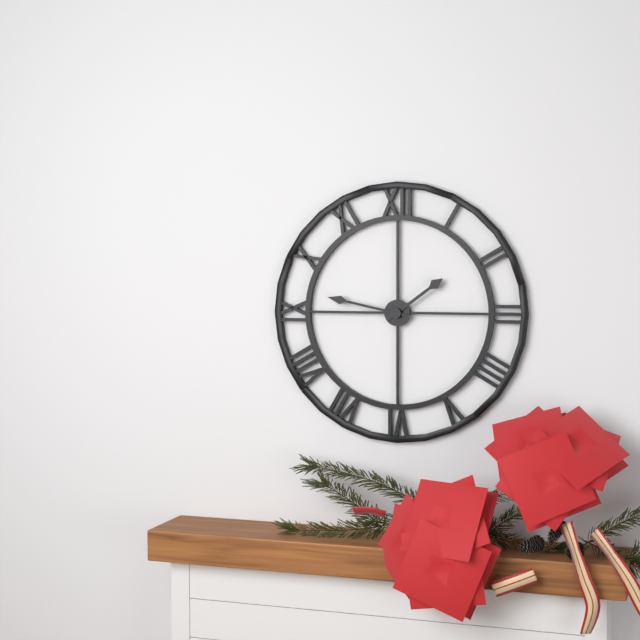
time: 1:47
